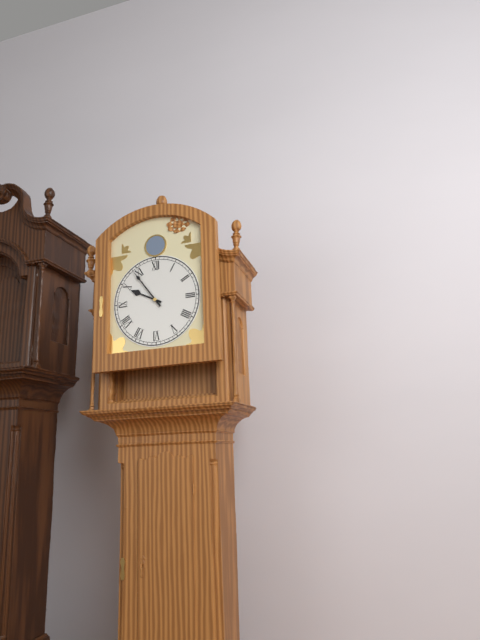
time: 9:54
